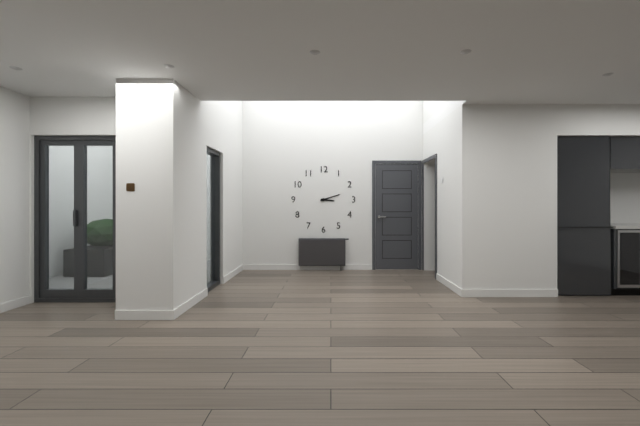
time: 3:12
